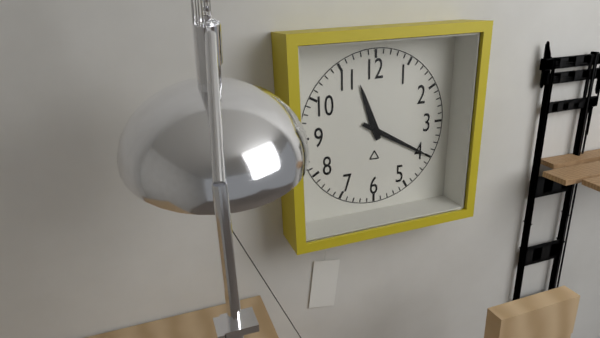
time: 11:20
